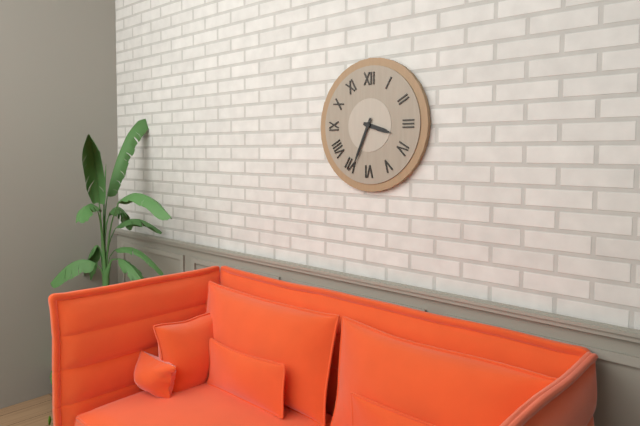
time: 3:34
